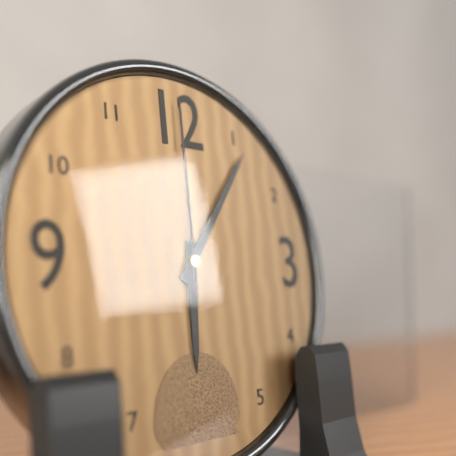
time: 6:06:00
